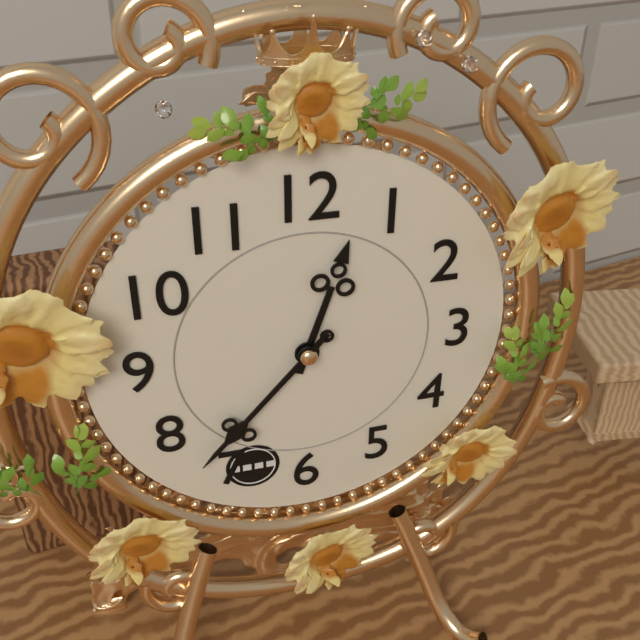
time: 12:37
